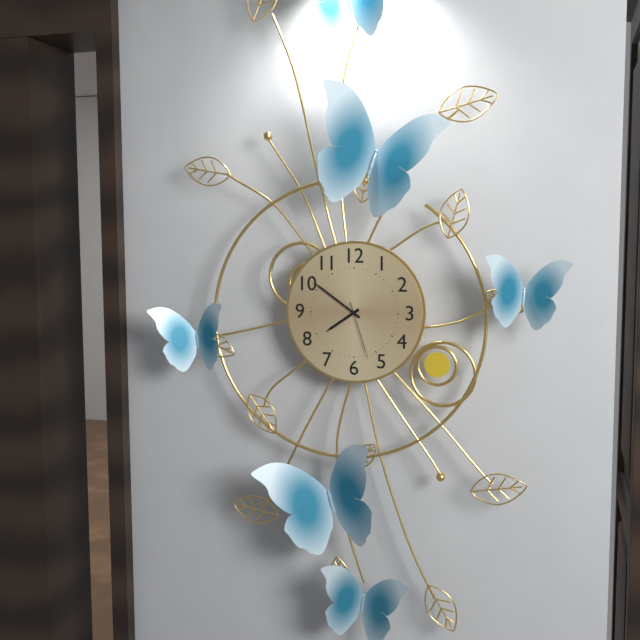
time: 7:51:27
